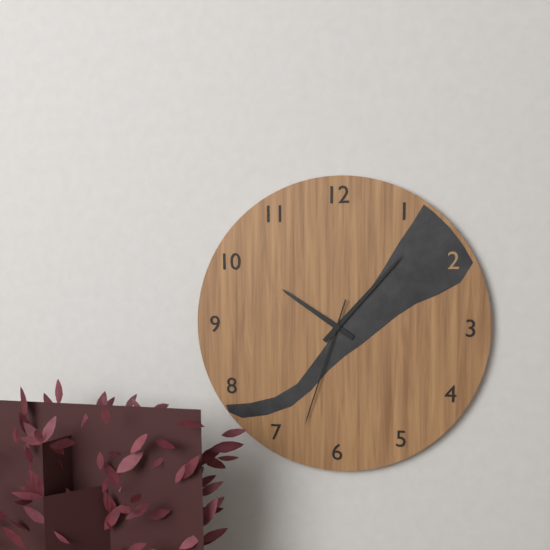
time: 10:07:33
